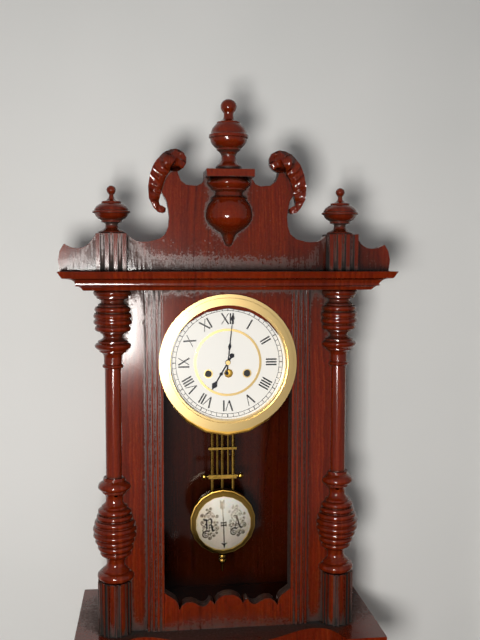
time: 7:01
